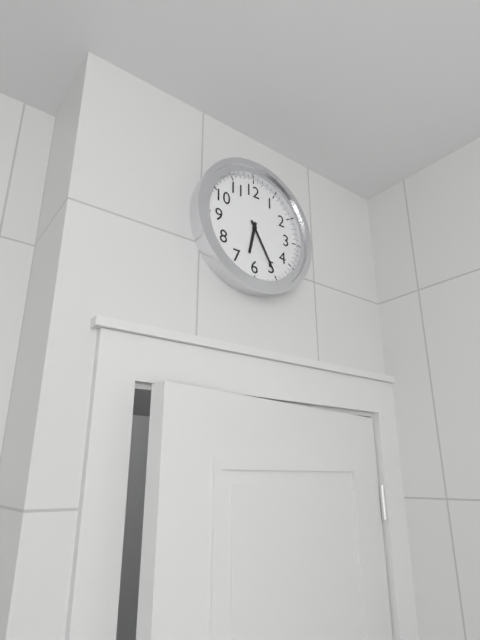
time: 6:25
